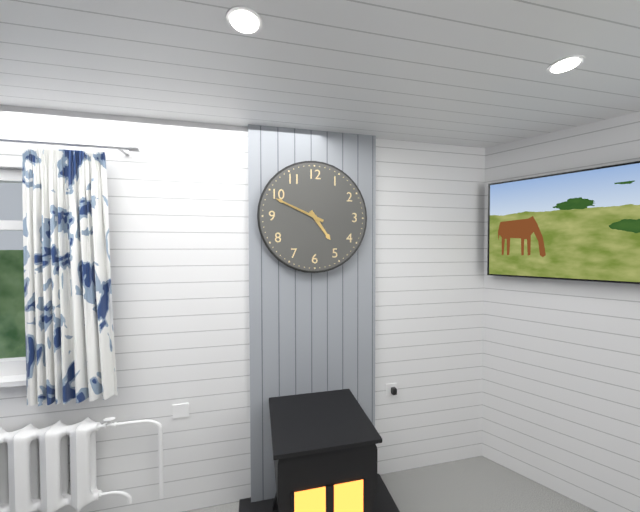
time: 4:49
